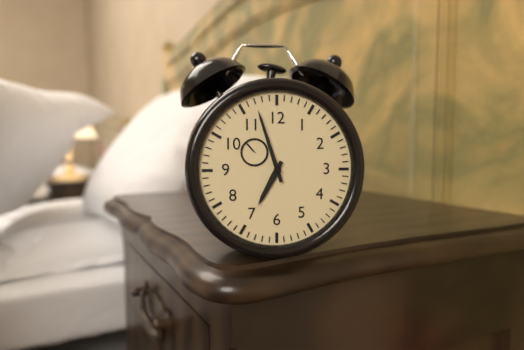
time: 6:57
